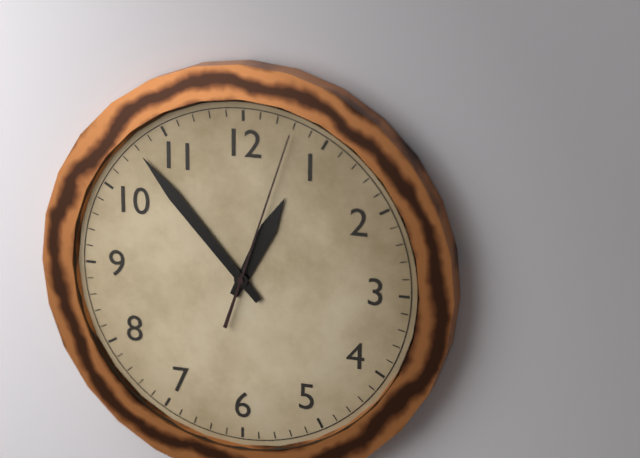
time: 12:53:03
